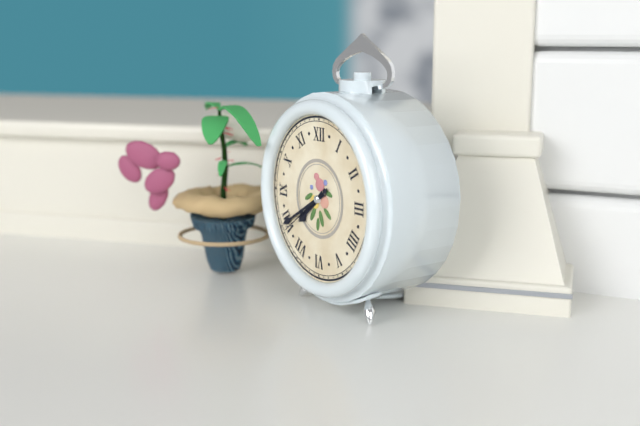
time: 7:40:39
